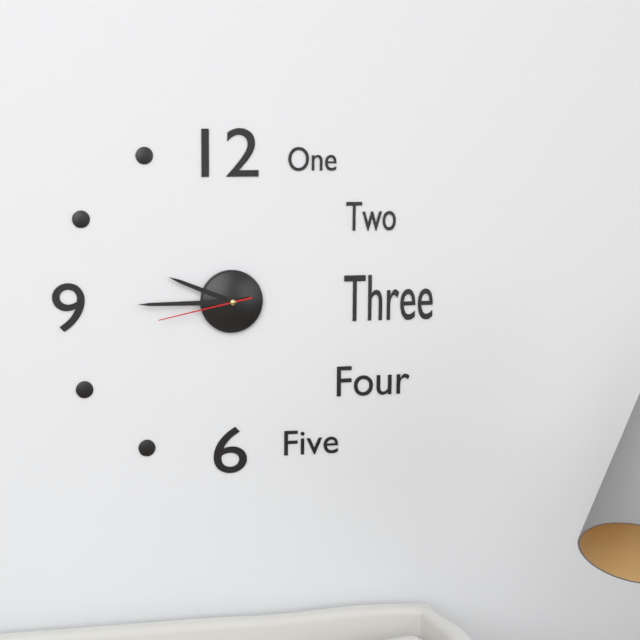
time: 9:45:43
